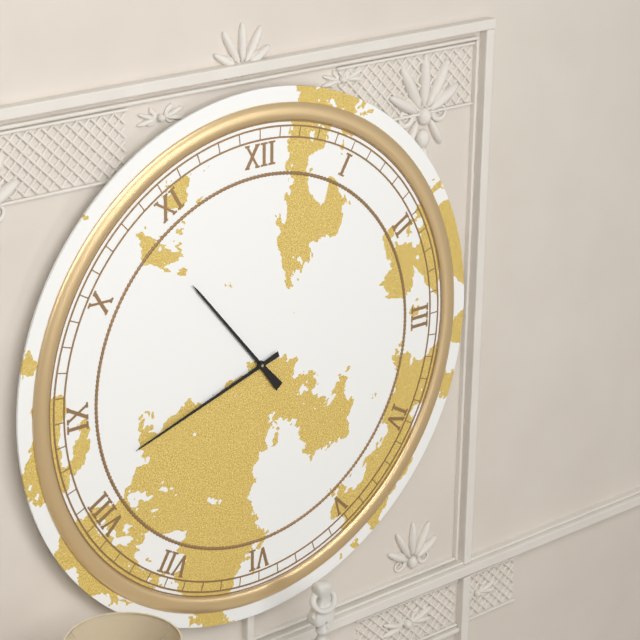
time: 10:42
